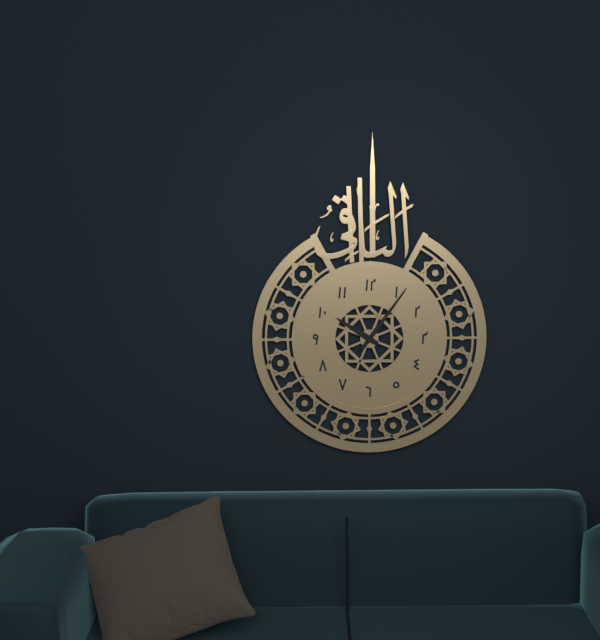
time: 10:06
